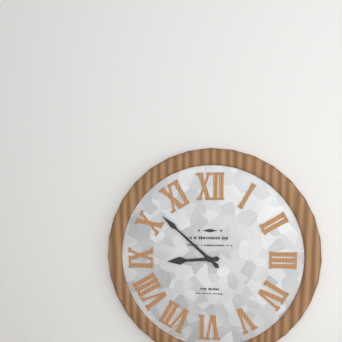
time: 8:52
